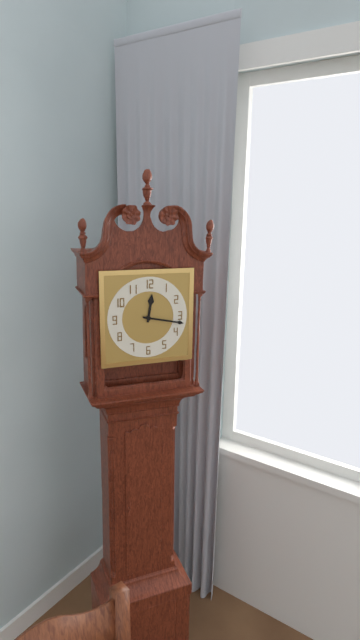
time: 12:17
